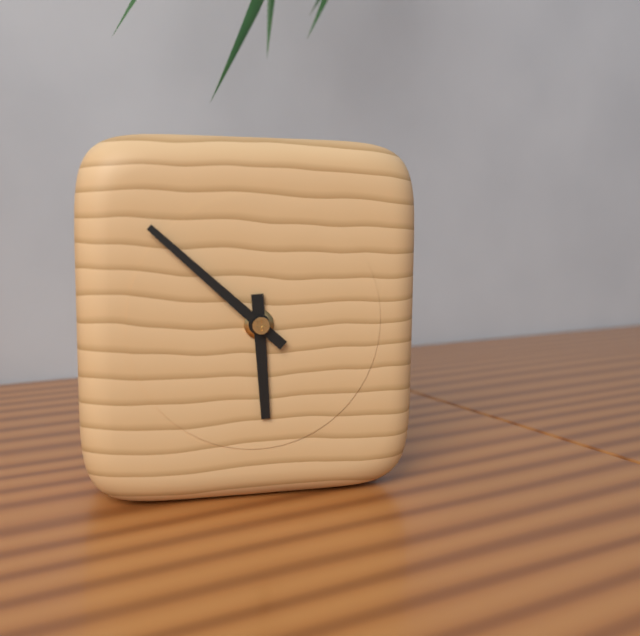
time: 5:52
